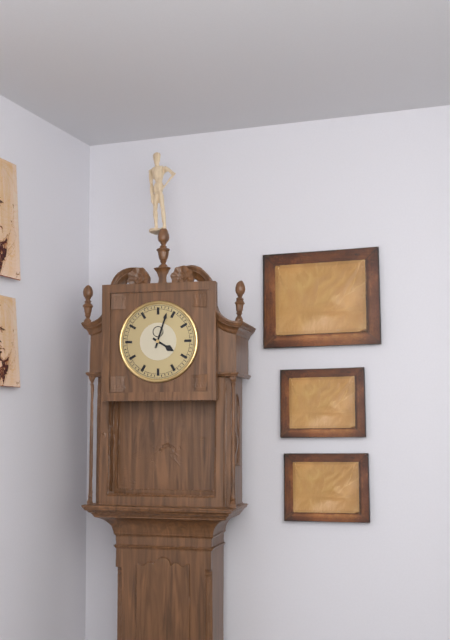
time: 4:03
